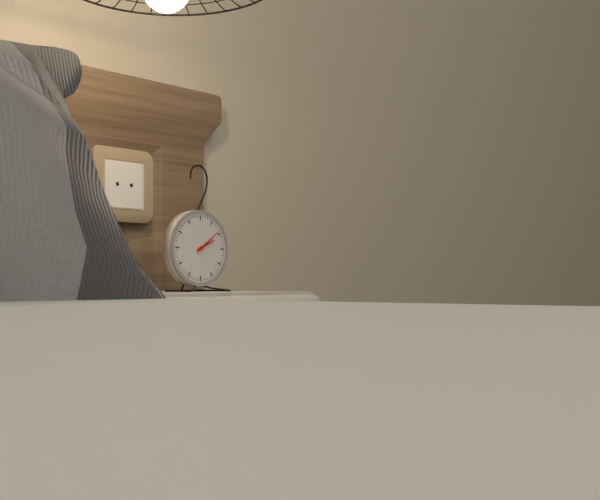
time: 2:09
